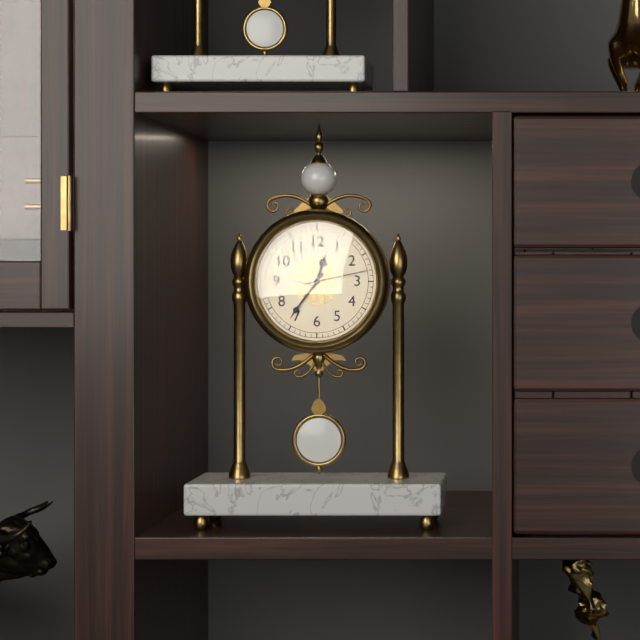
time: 12:36:13
